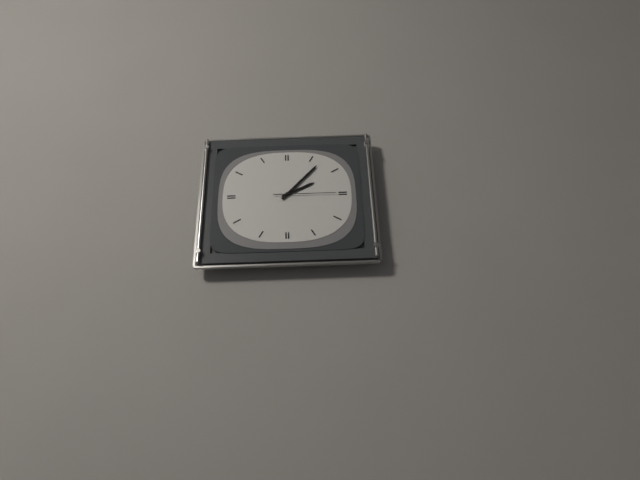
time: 2:07:15
